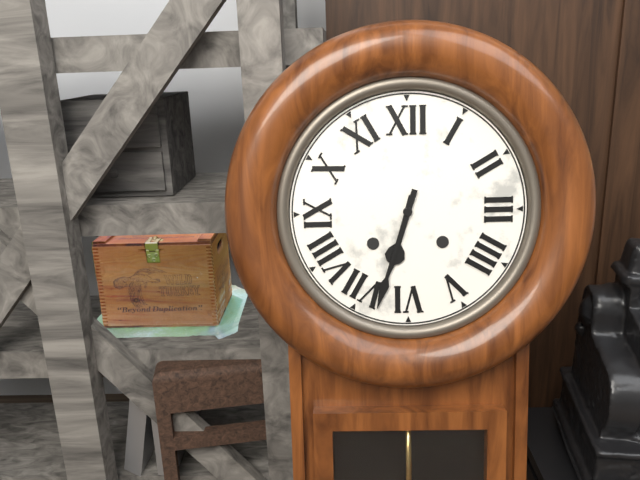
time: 6:33
